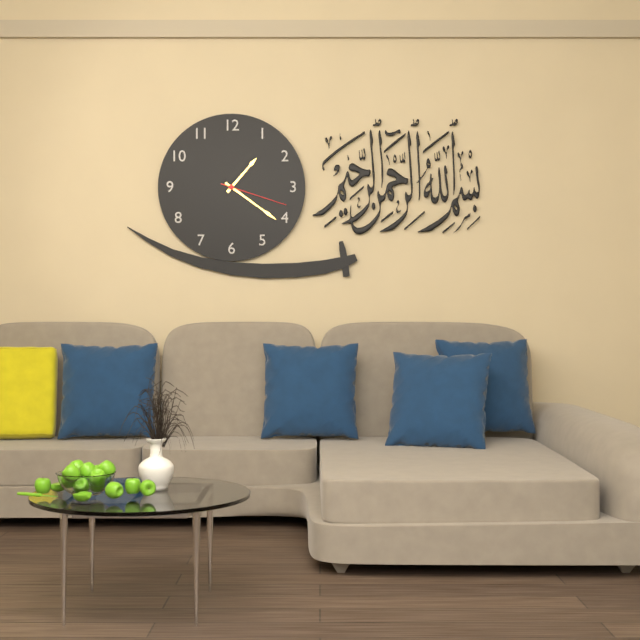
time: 1:21:18
